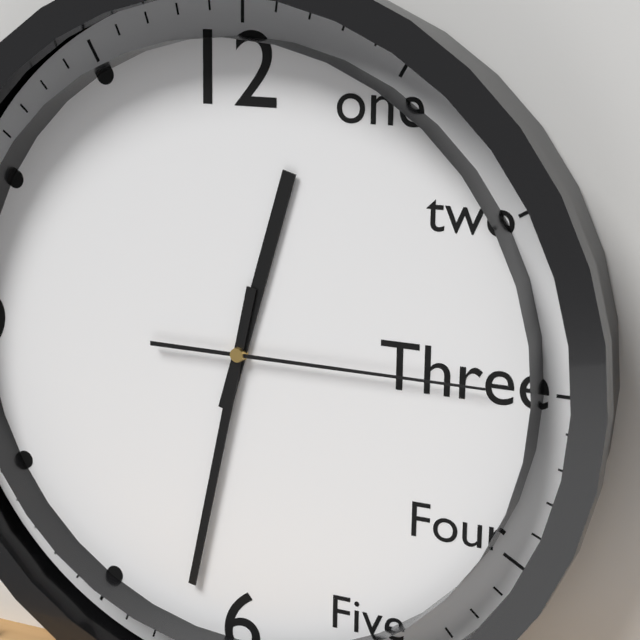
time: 12:32:15
